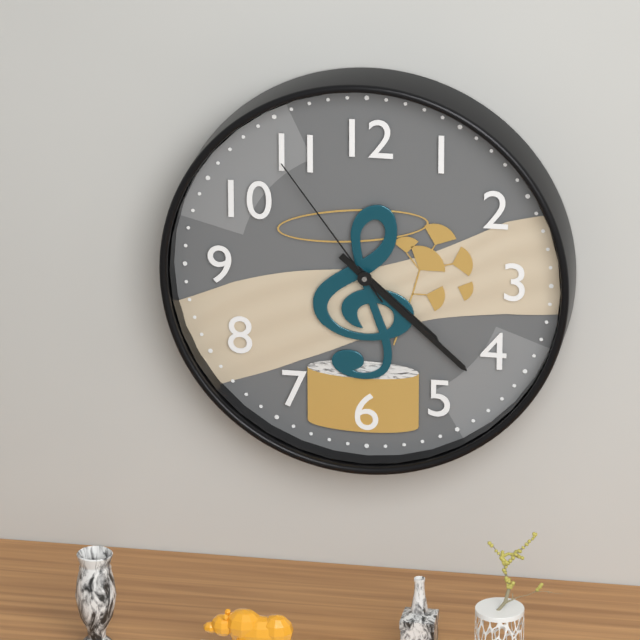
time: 4:22:54
